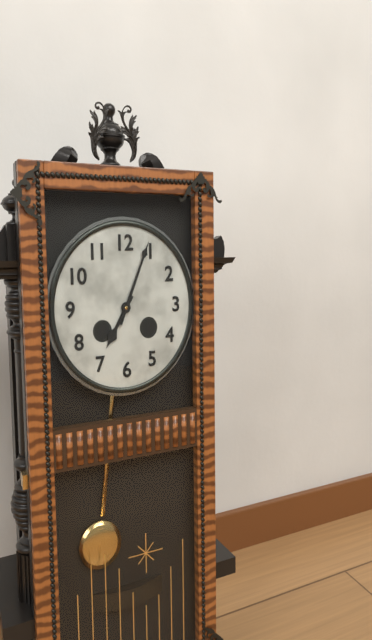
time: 7:04
